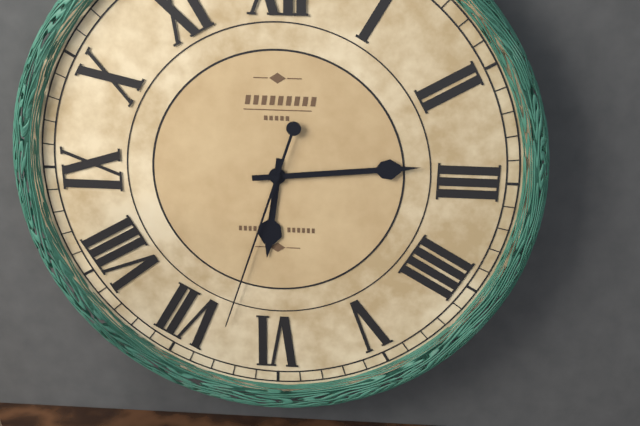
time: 6:14:33
